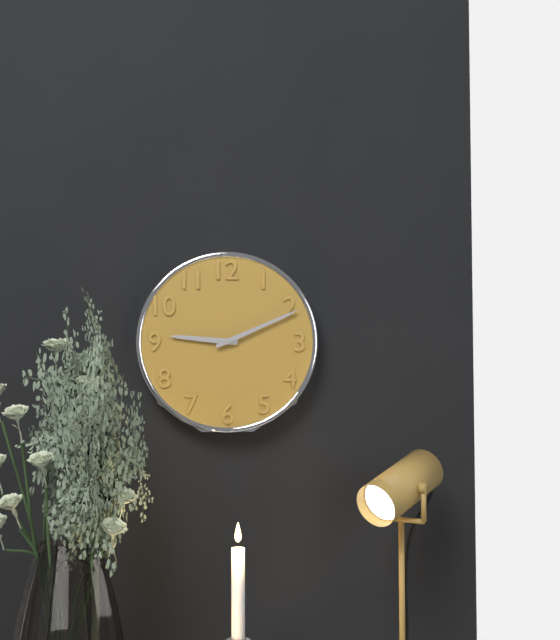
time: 9:11
